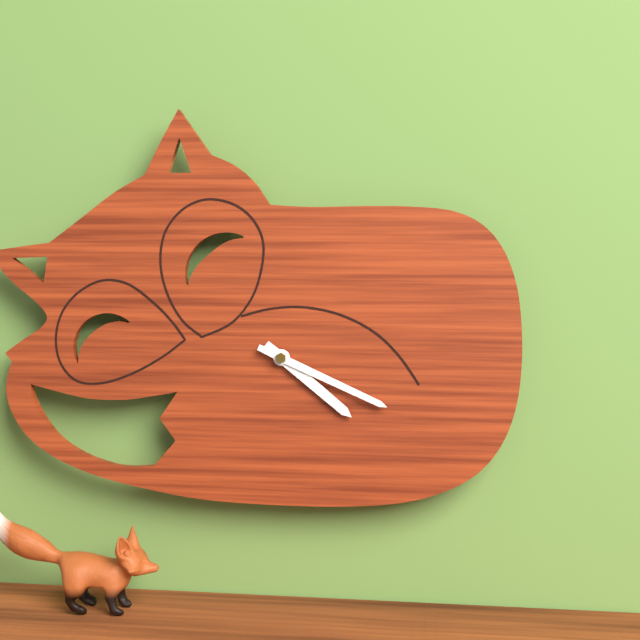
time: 4:19
